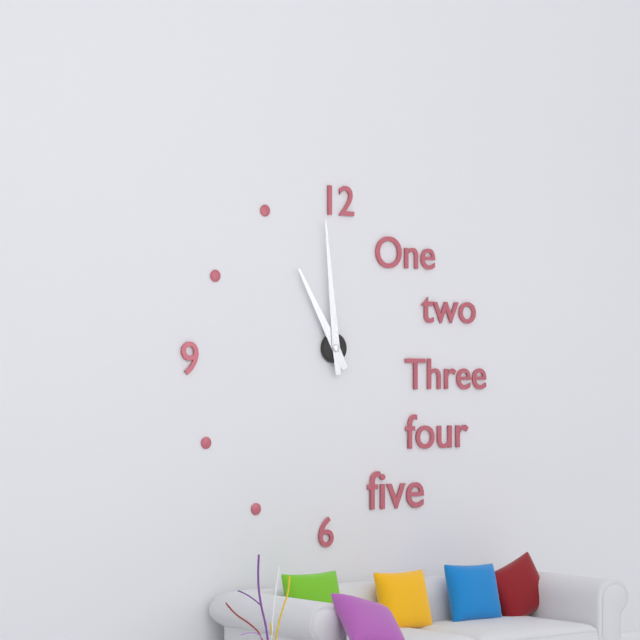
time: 10:59
